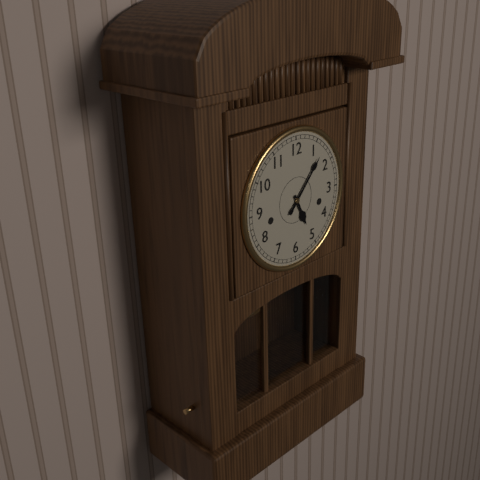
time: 5:07
